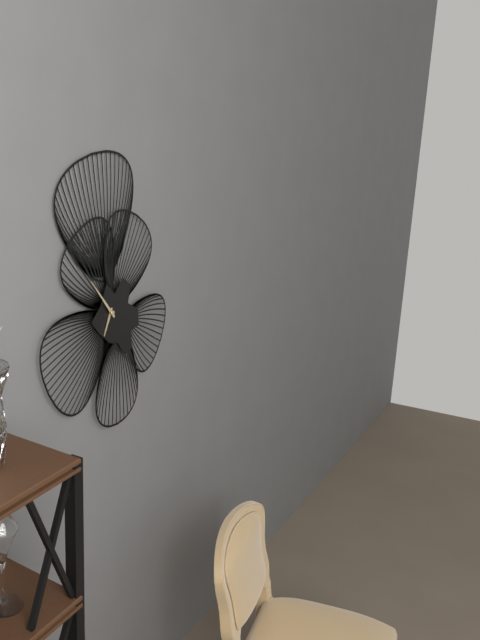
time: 6:53
